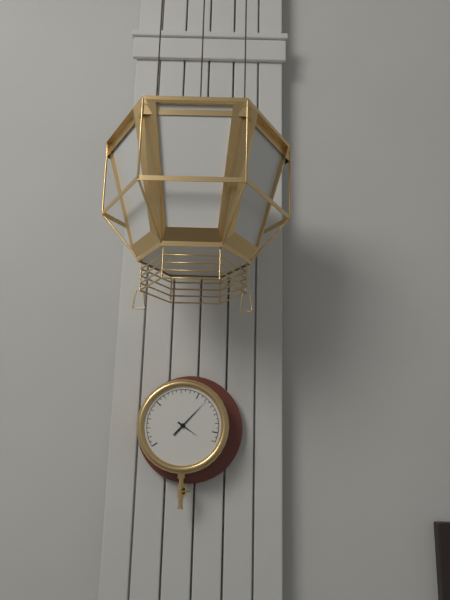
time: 4:07
